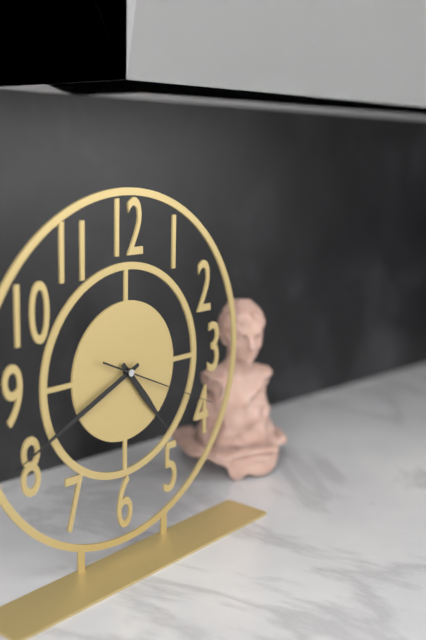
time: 4:41:19
